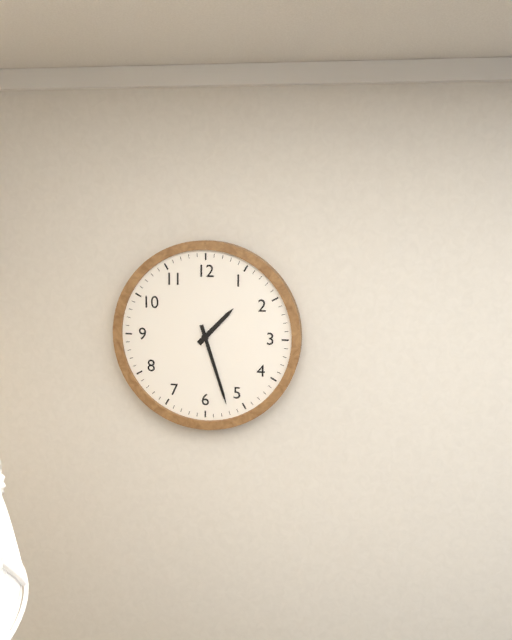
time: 1:27
